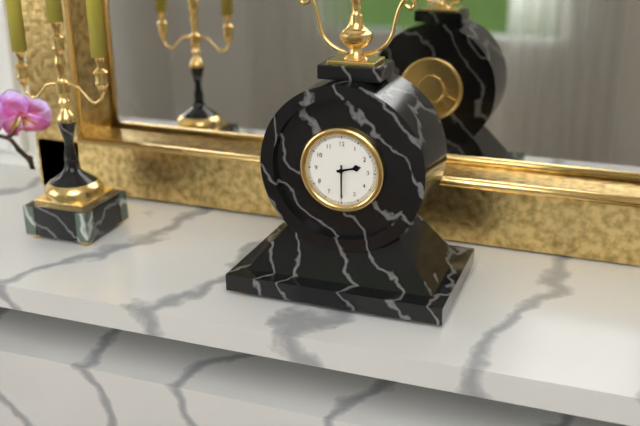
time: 2:30
